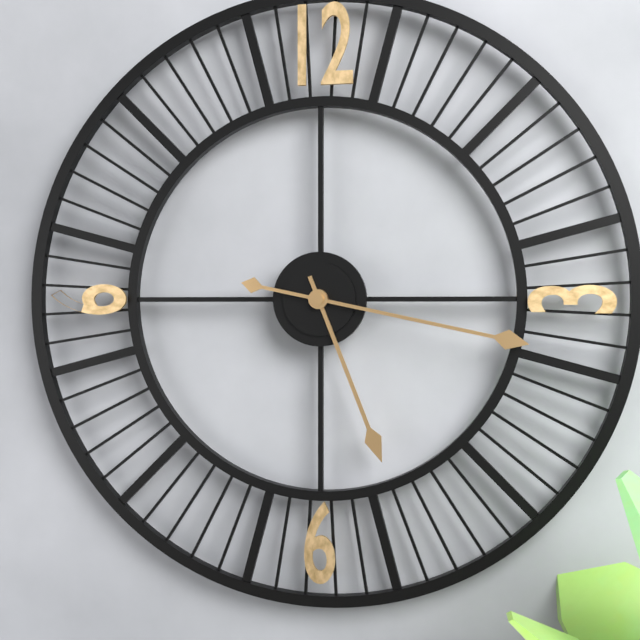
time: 5:17
